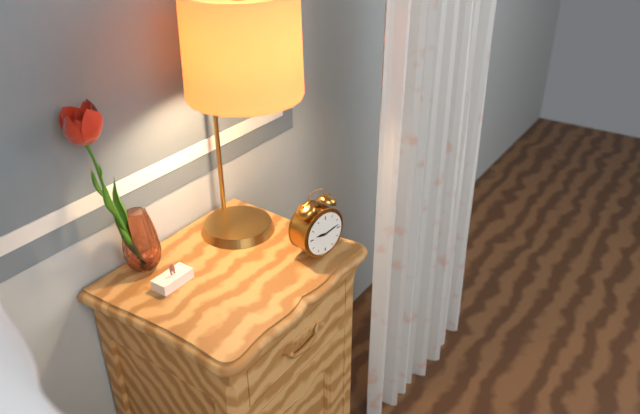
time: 9:13
